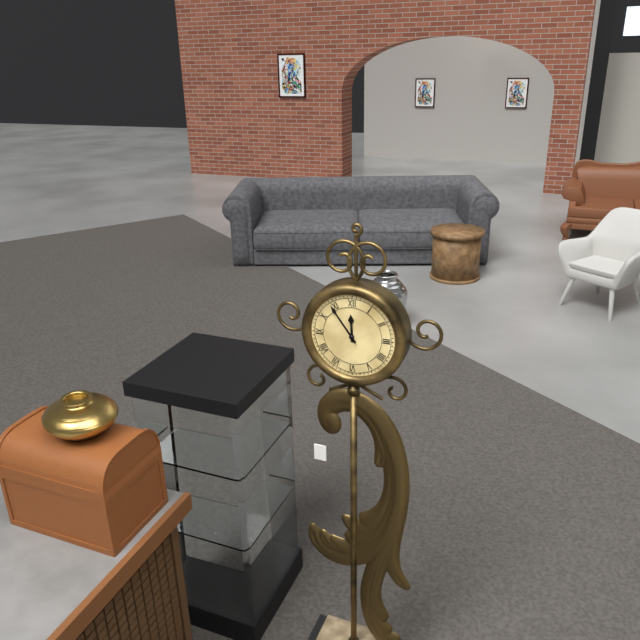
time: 11:54
